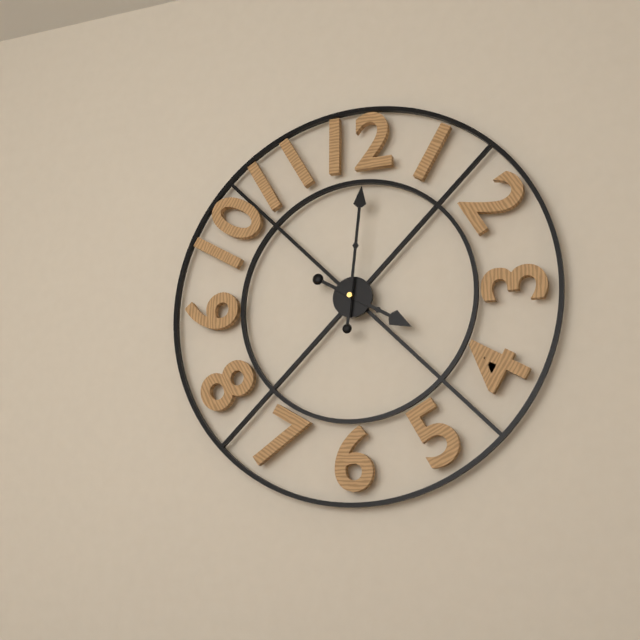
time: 4:01
